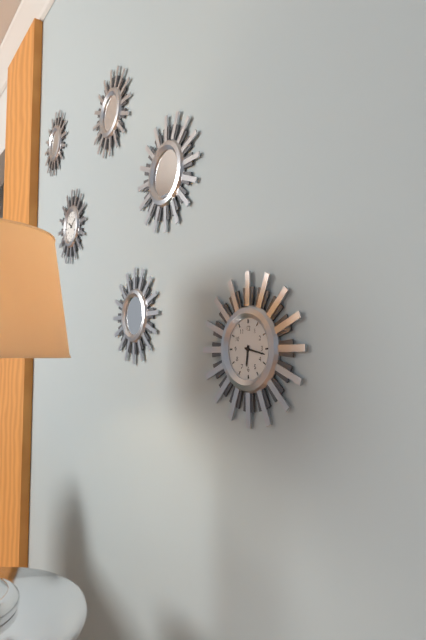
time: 6:17
